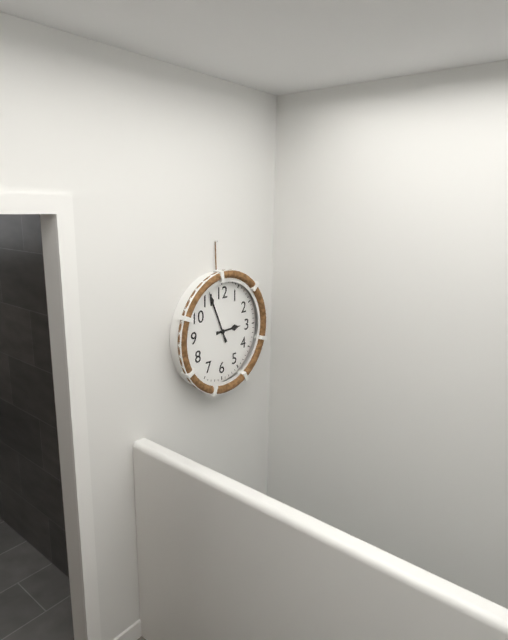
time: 2:56
